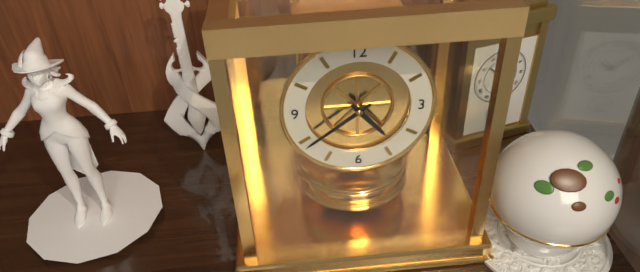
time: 4:39
